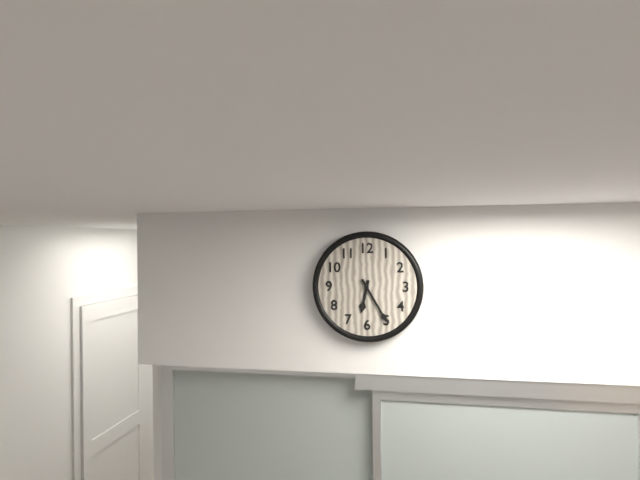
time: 6:25
